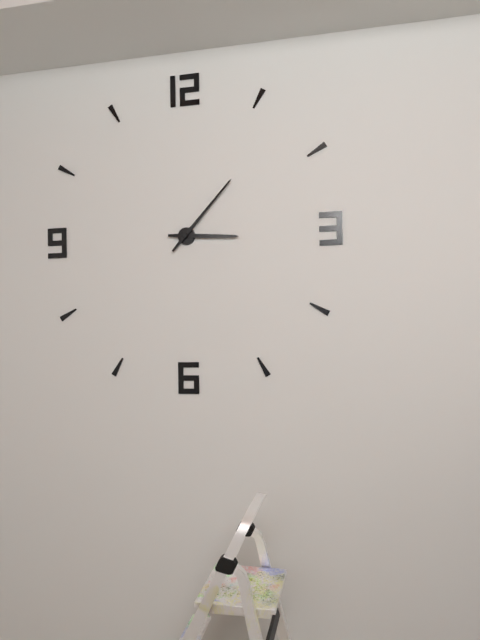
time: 3:07
